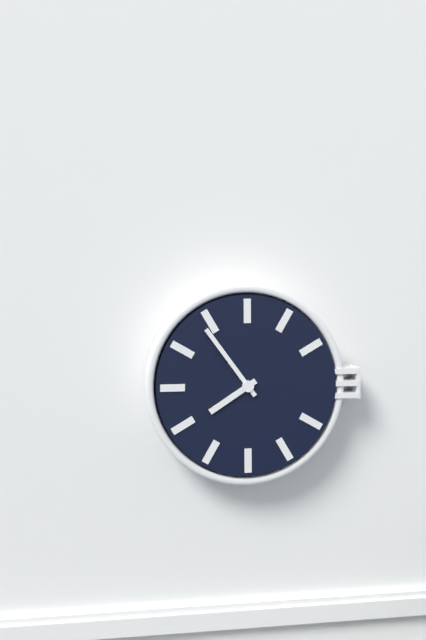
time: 7:54
